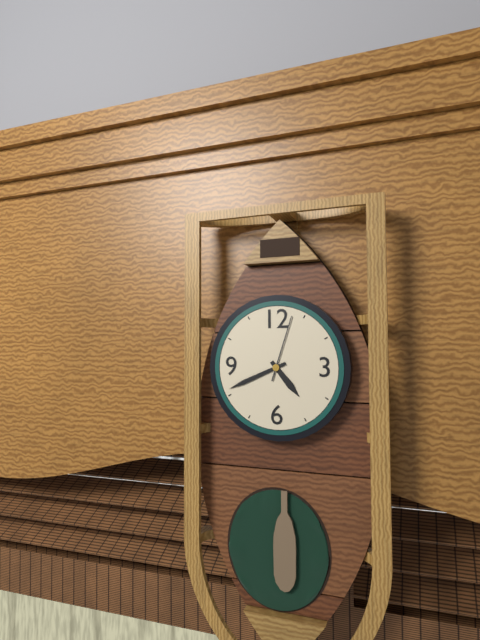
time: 4:41:03
